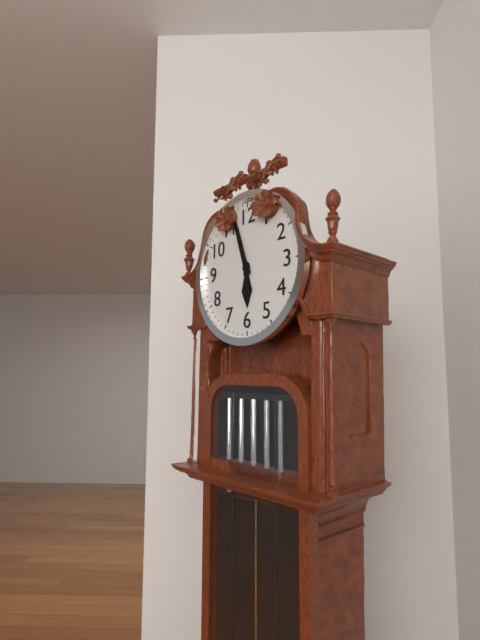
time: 5:57
